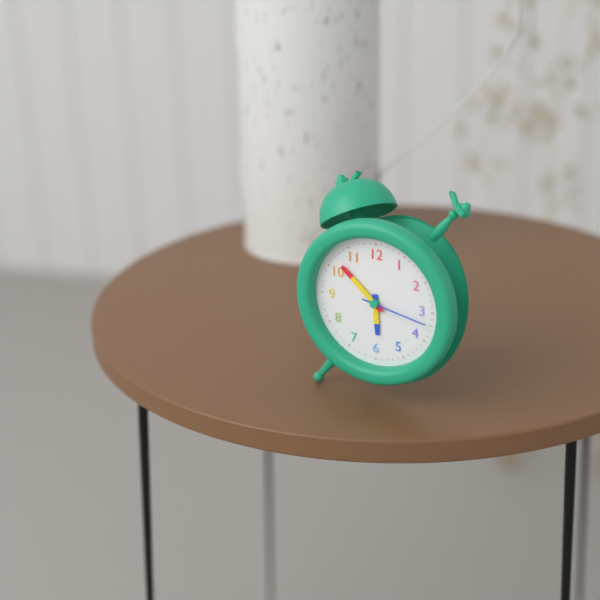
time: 5:52:17
